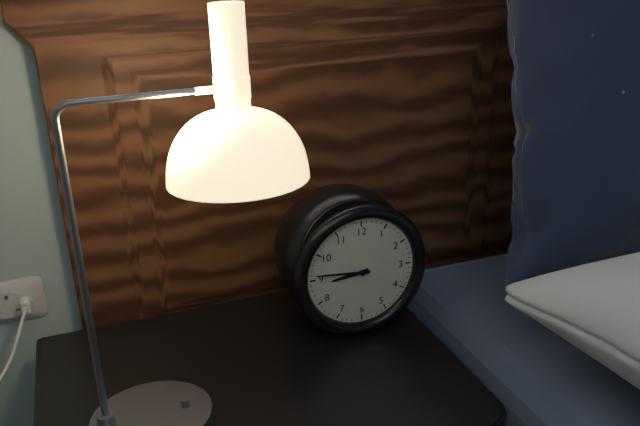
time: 8:46
